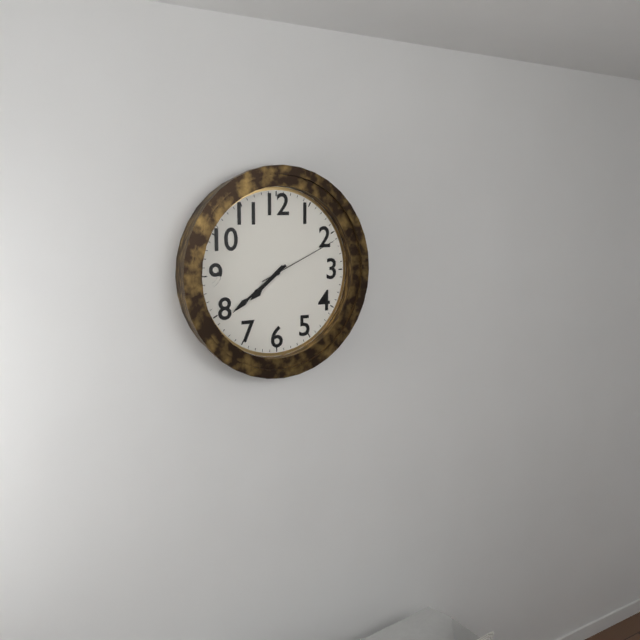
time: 7:39:11
